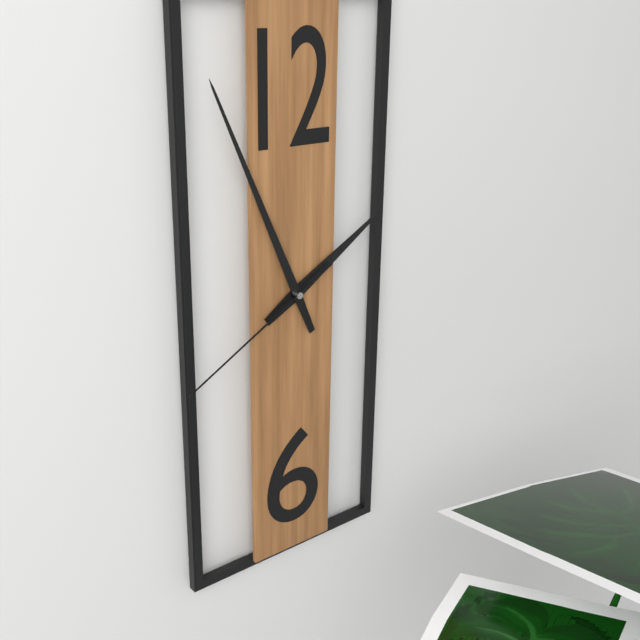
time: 1:56:40
